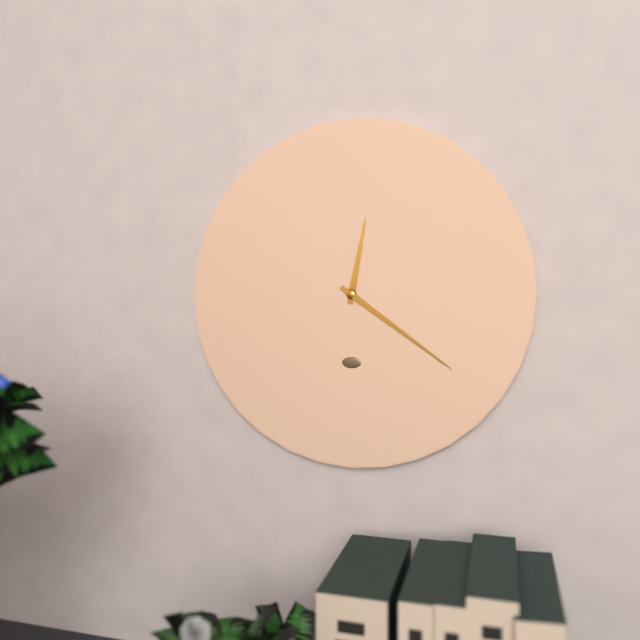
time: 12:21
